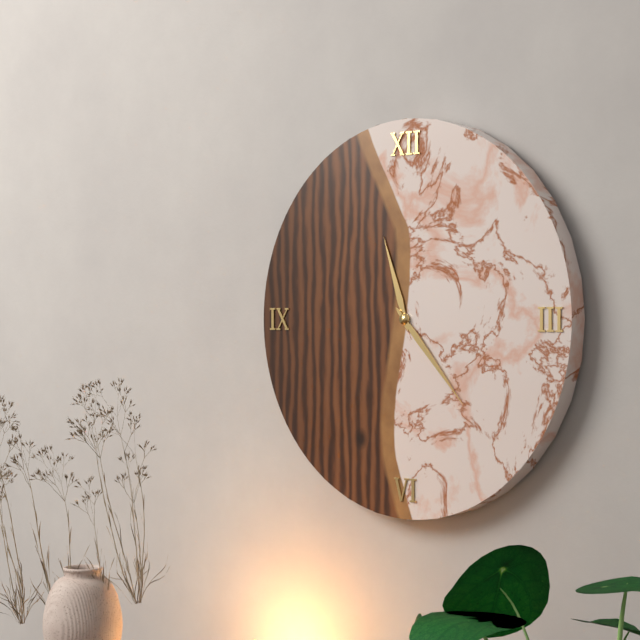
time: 11:23
